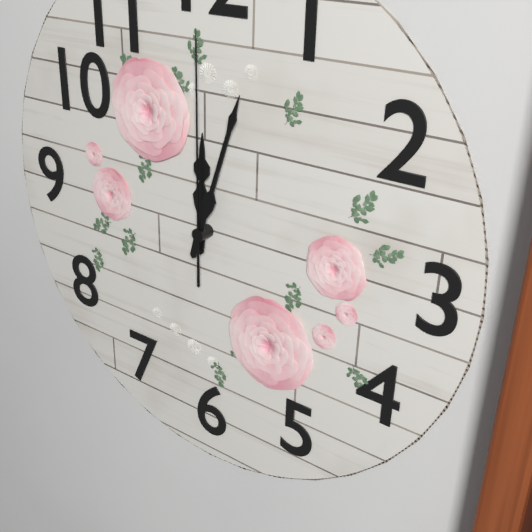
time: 12:03:00
